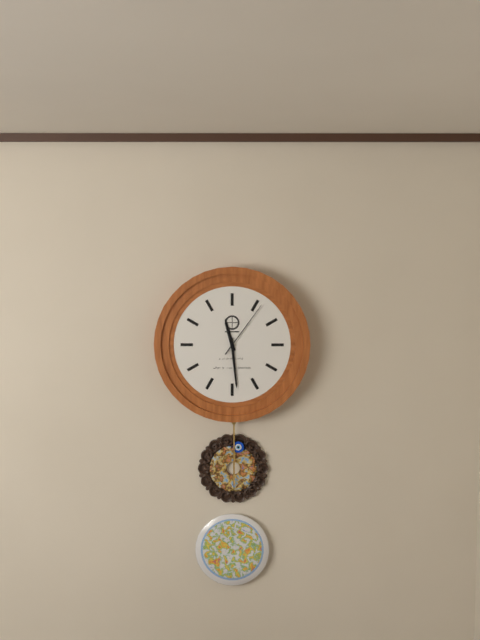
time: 11:29:06
